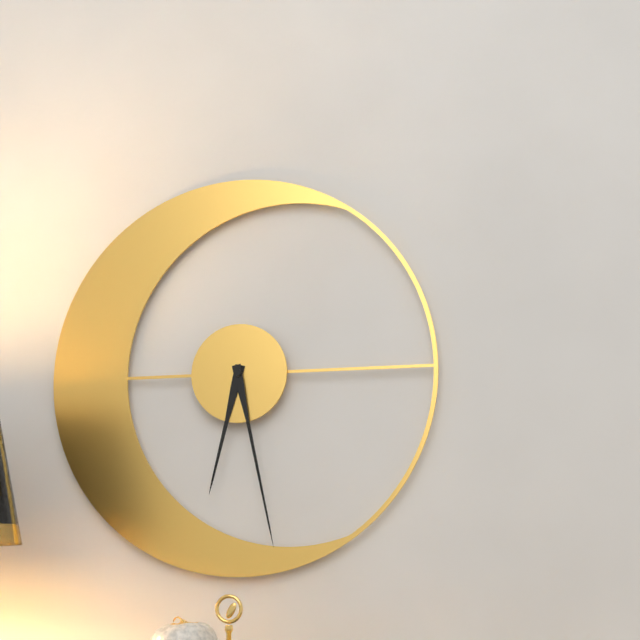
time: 6:28
